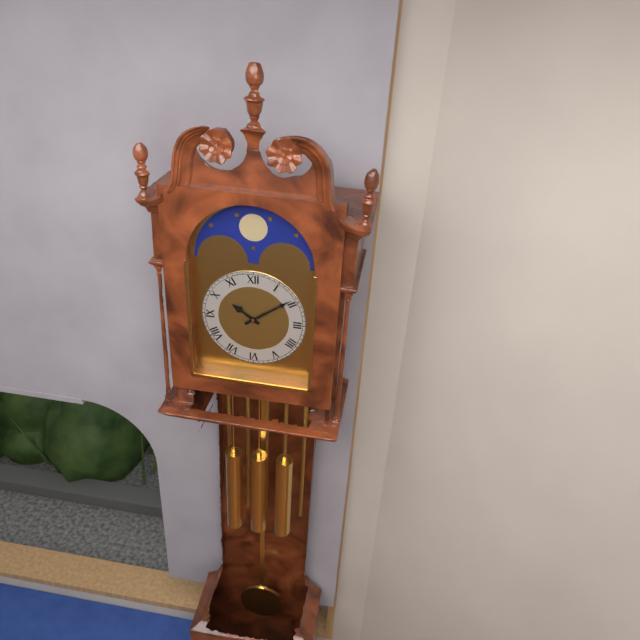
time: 10:09
